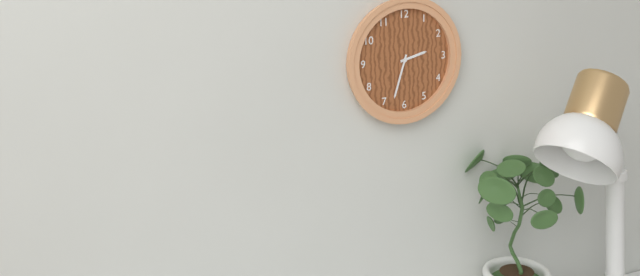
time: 2:33
